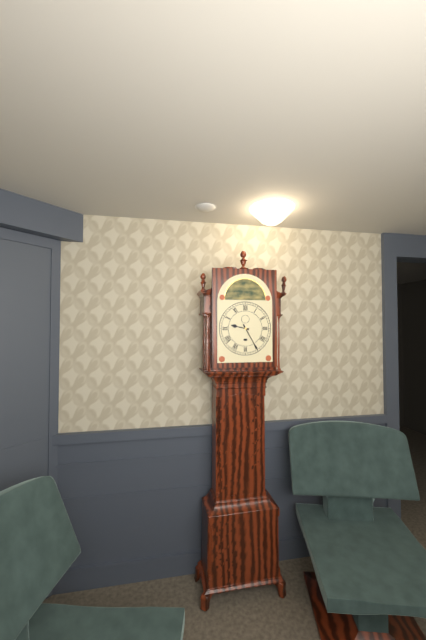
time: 9:25
